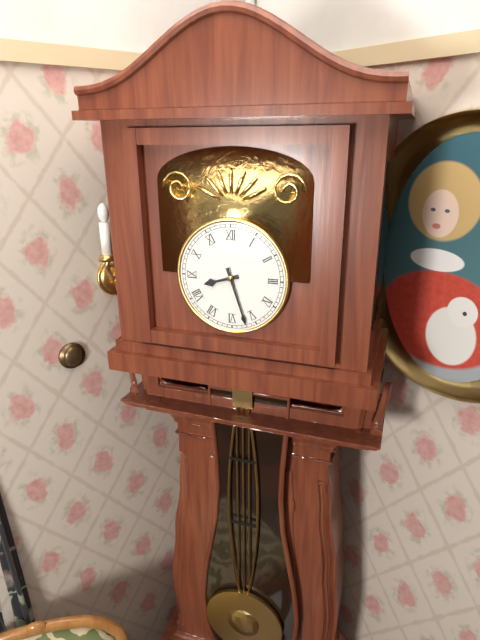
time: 8:27
